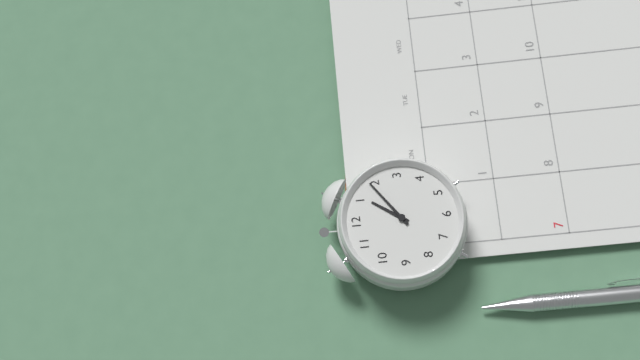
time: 1:09
